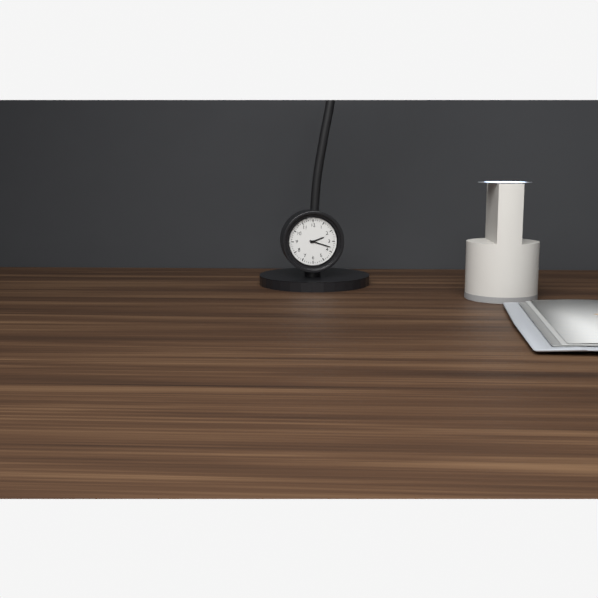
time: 2:18
